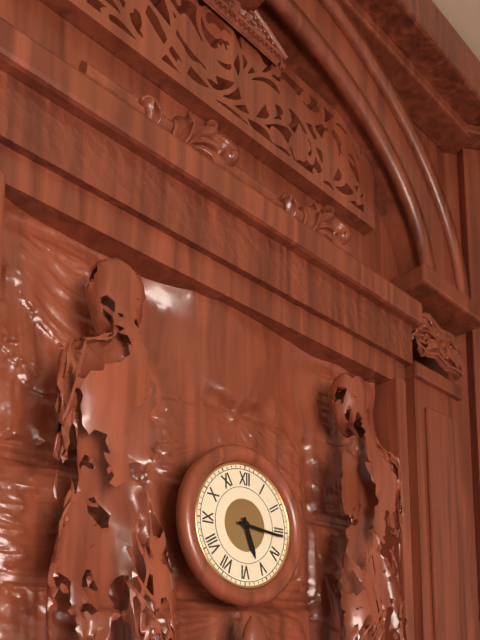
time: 5:16
